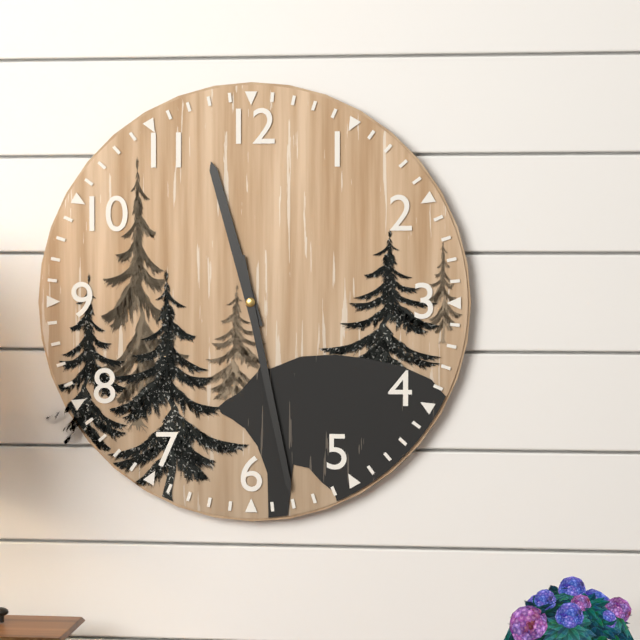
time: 11:28
